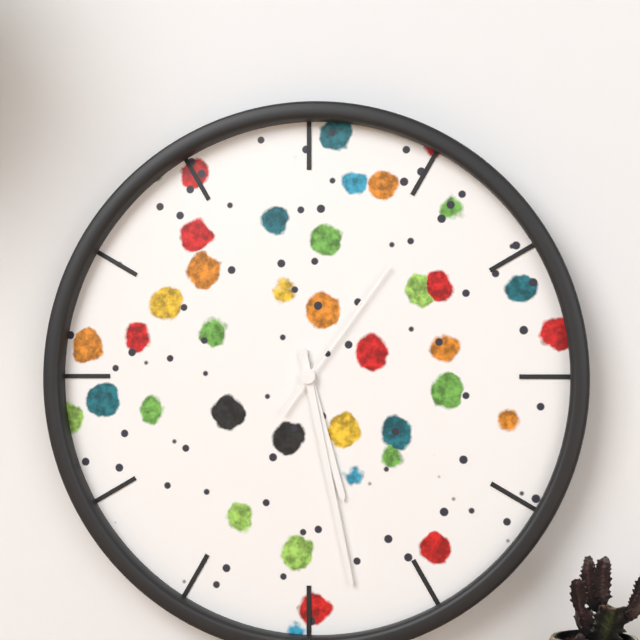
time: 5:28:06
